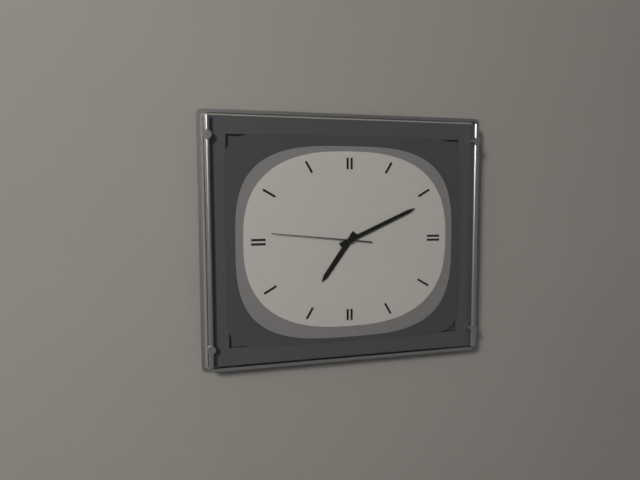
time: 7:11:46
